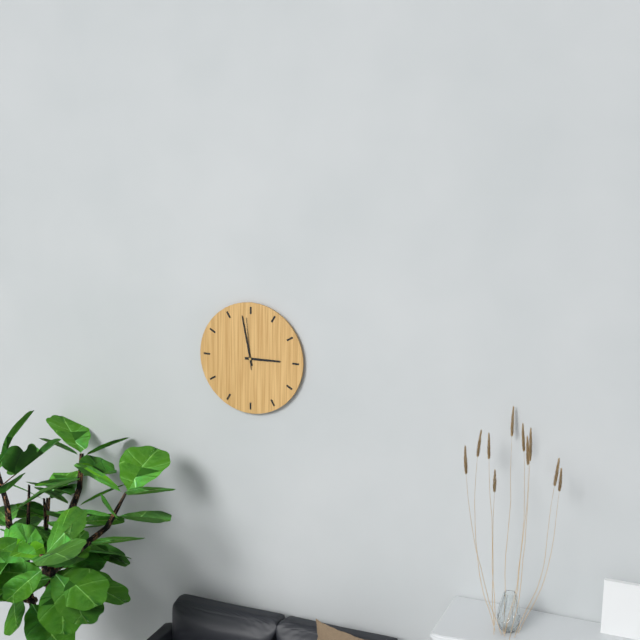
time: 2:58:59
